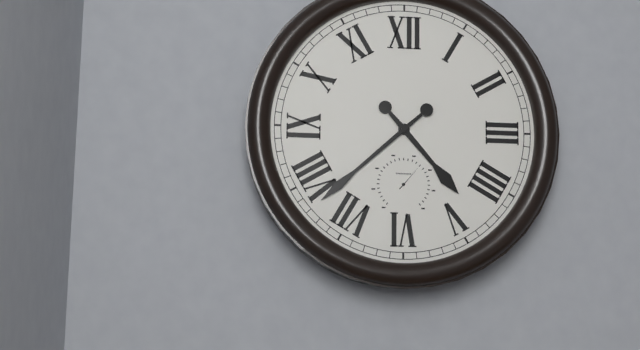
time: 4:38
